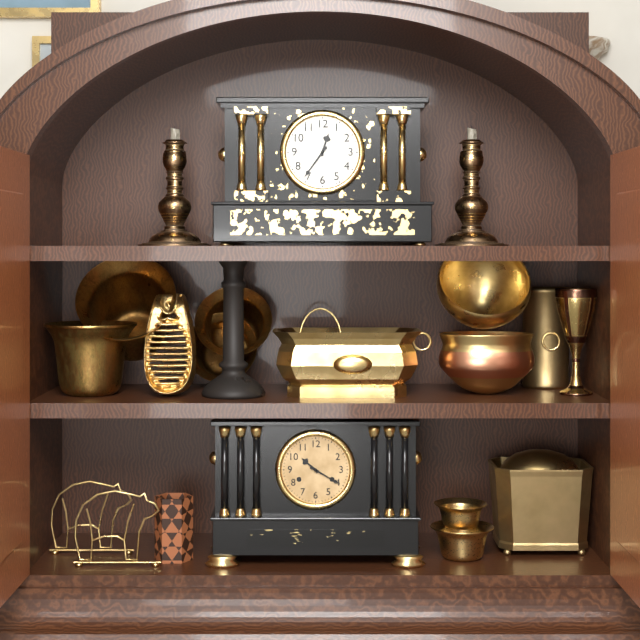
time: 12:36
